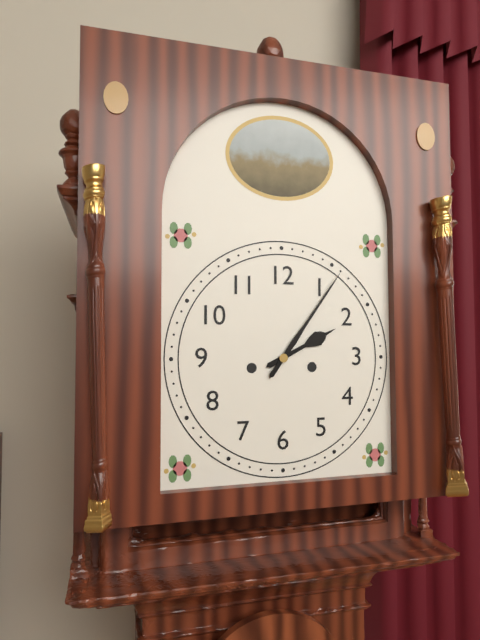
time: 2:06
